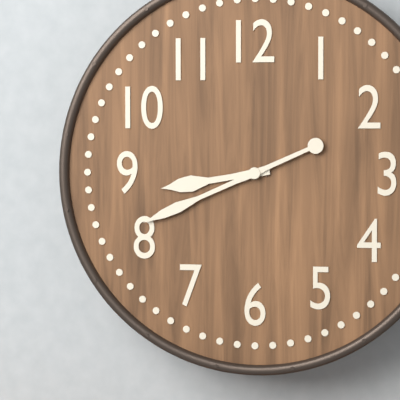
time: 8:41
